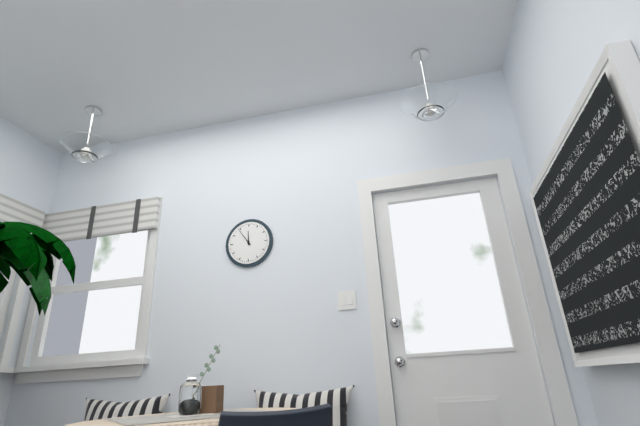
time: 11:54
